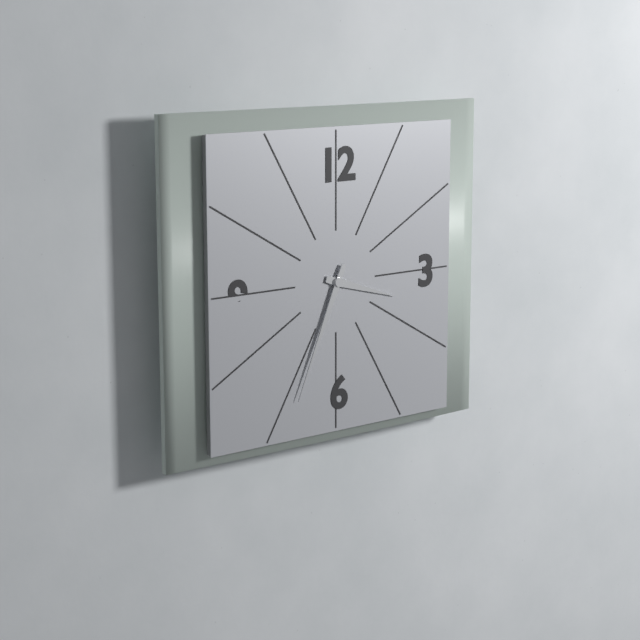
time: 3:34
